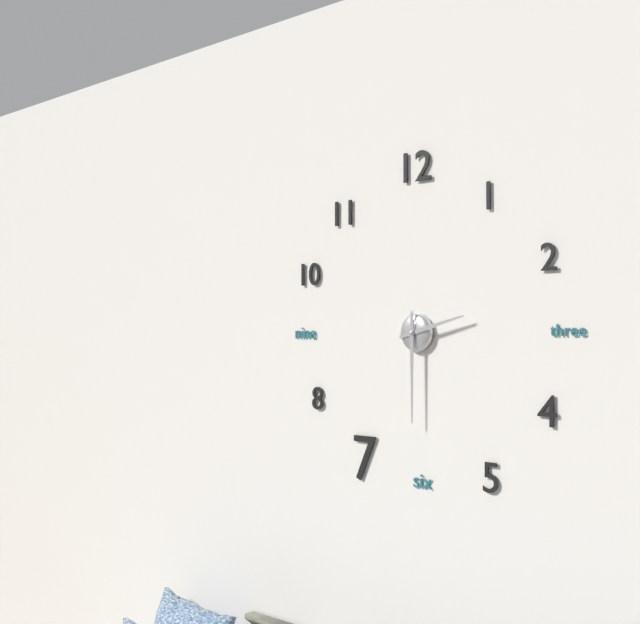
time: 2:30
